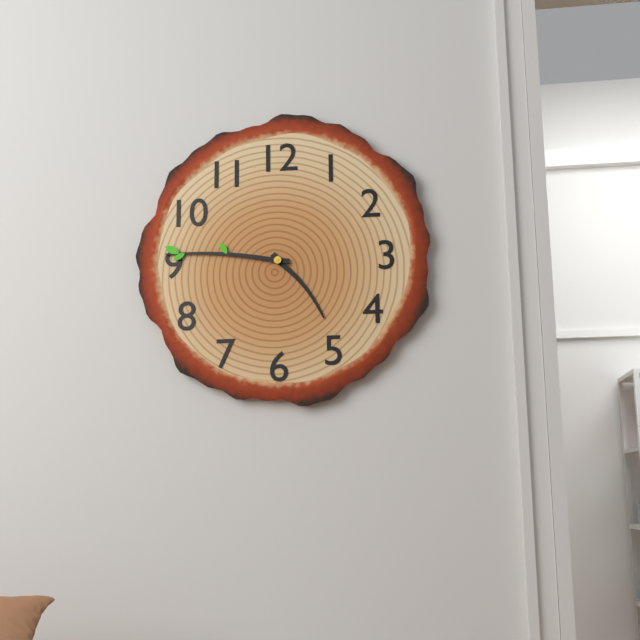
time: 4:46
